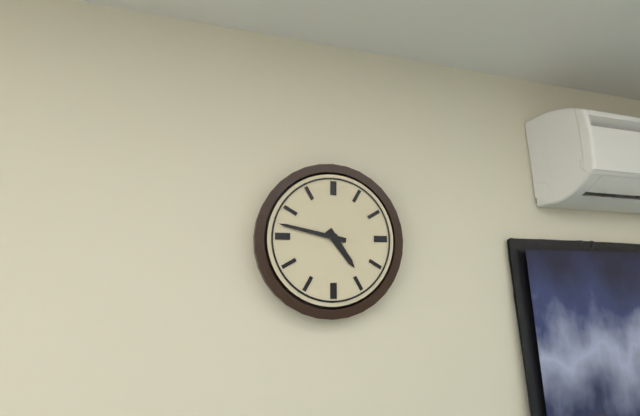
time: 4:47
